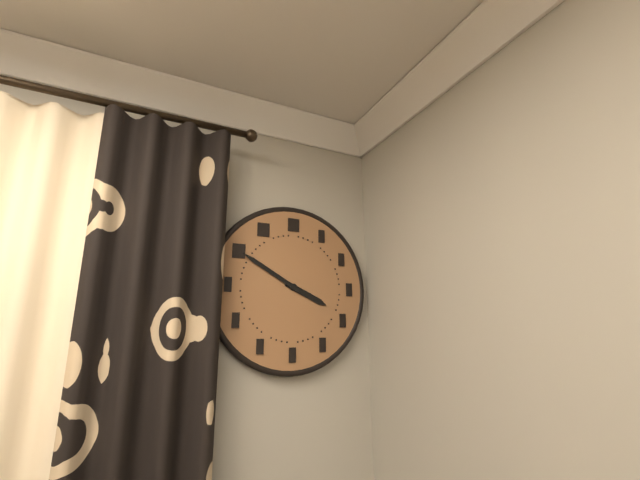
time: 3:50
